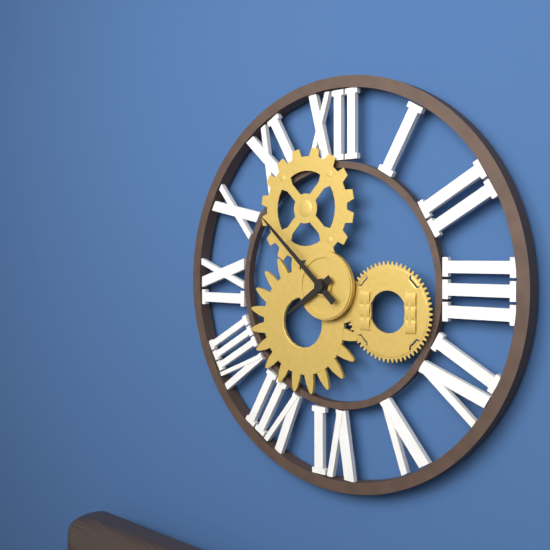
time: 7:52
